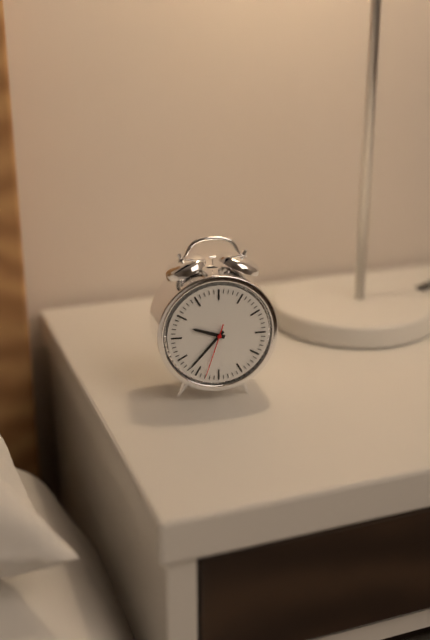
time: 9:37:33
